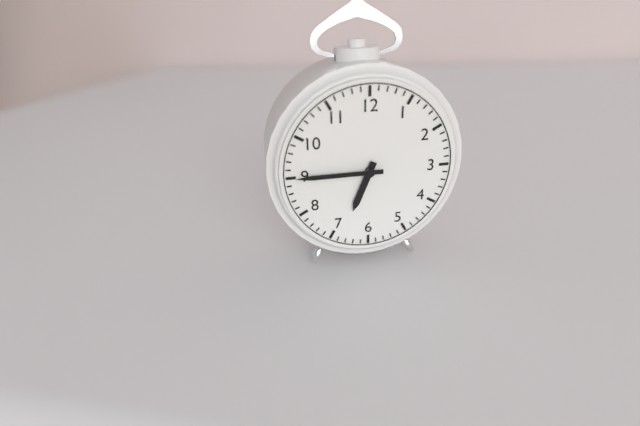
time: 6:45
